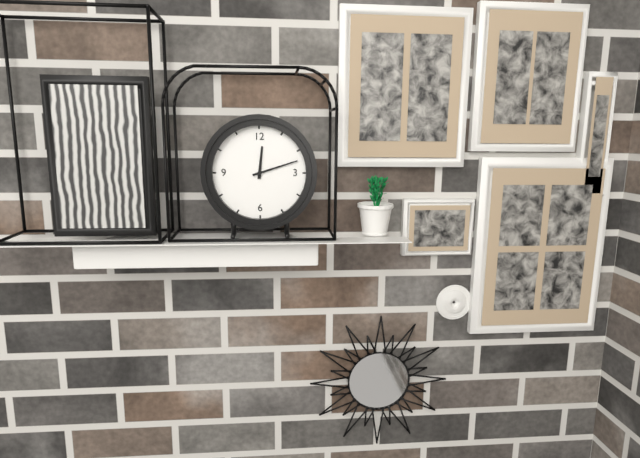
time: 12:12
